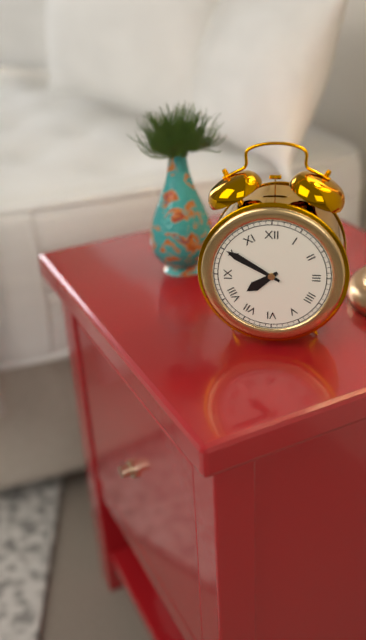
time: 7:50
